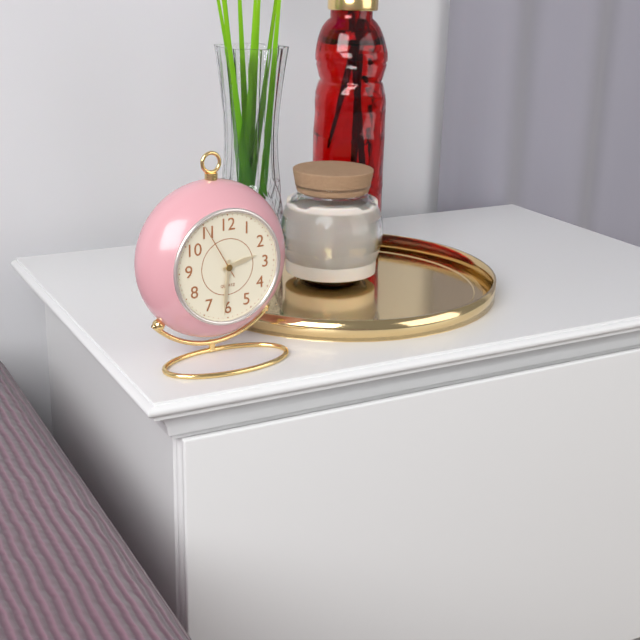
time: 2:31:55
